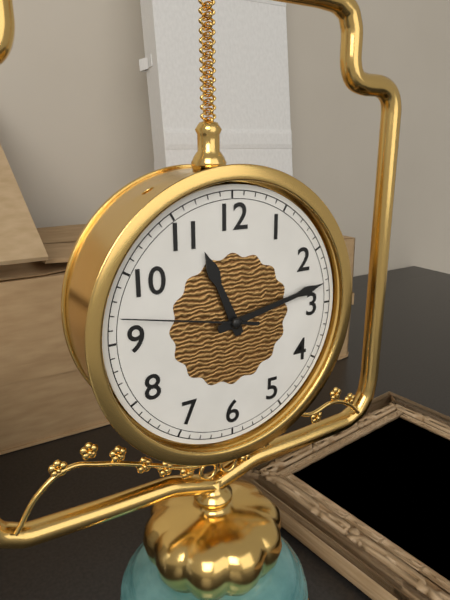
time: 11:13:47
